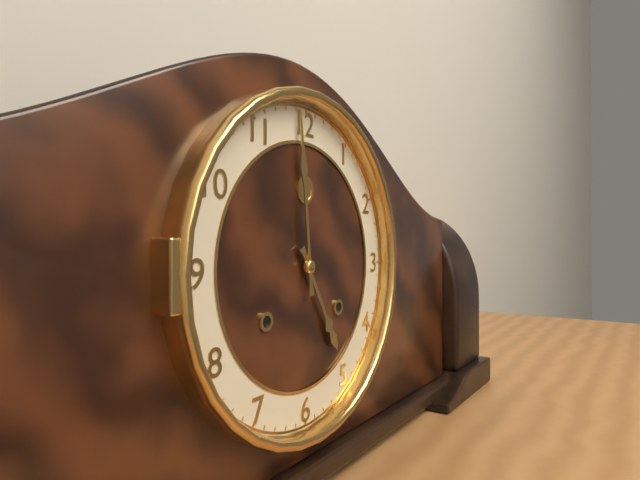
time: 4:59
